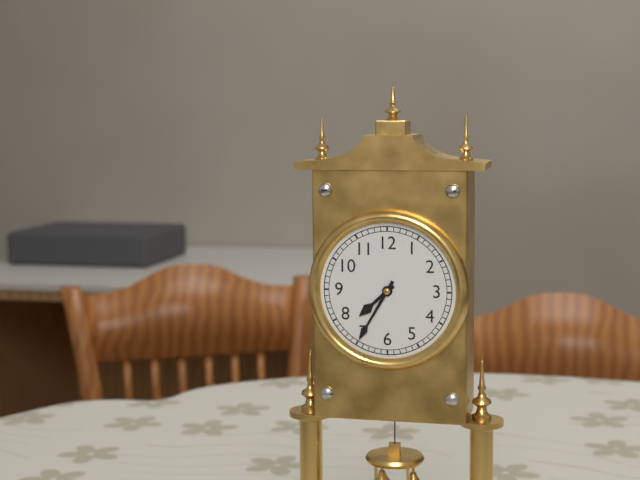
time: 7:35
